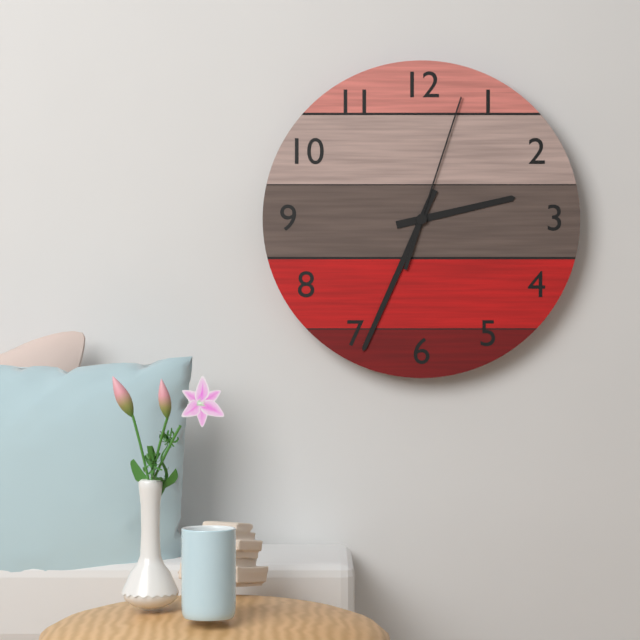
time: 2:34:03
